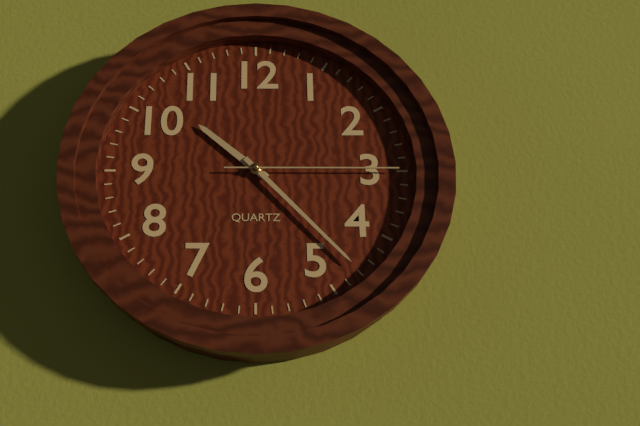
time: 10:23:15
